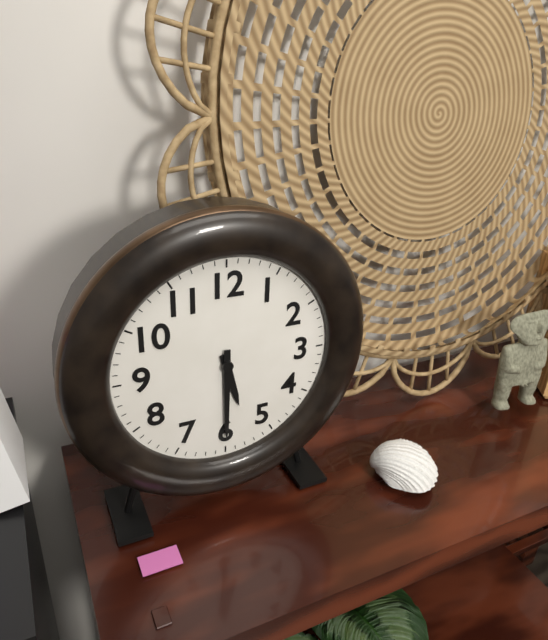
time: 5:30
